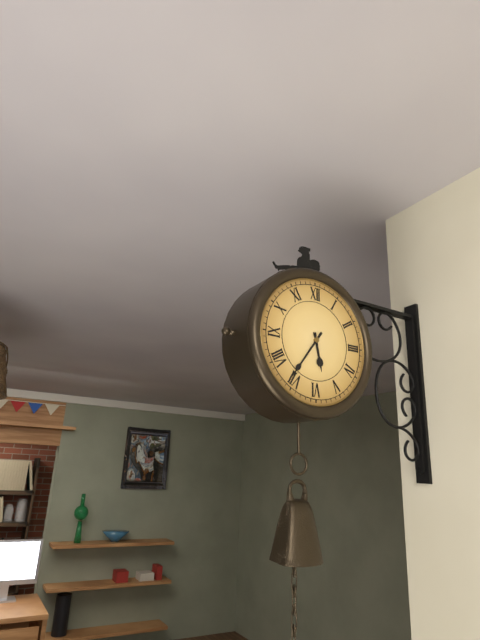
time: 5:36
